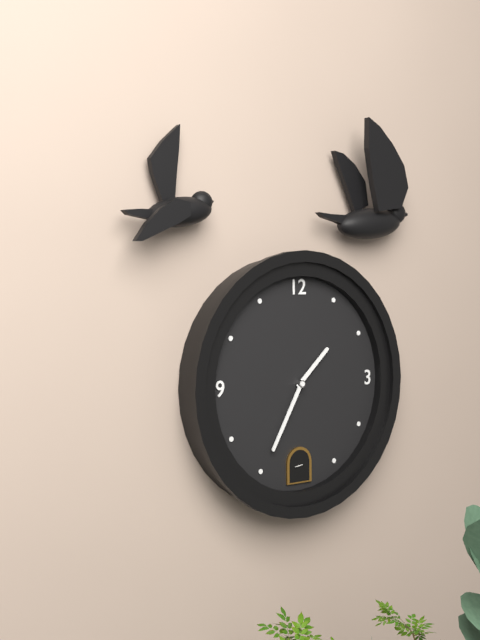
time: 1:35
